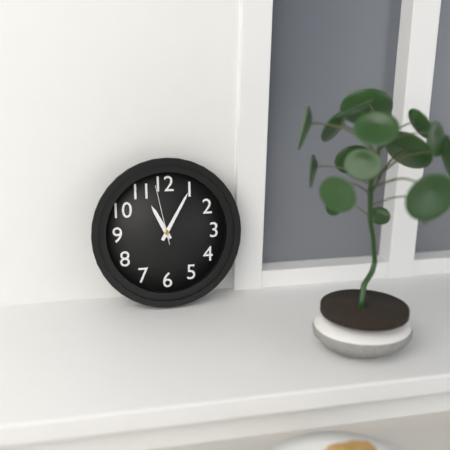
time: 11:05:58
